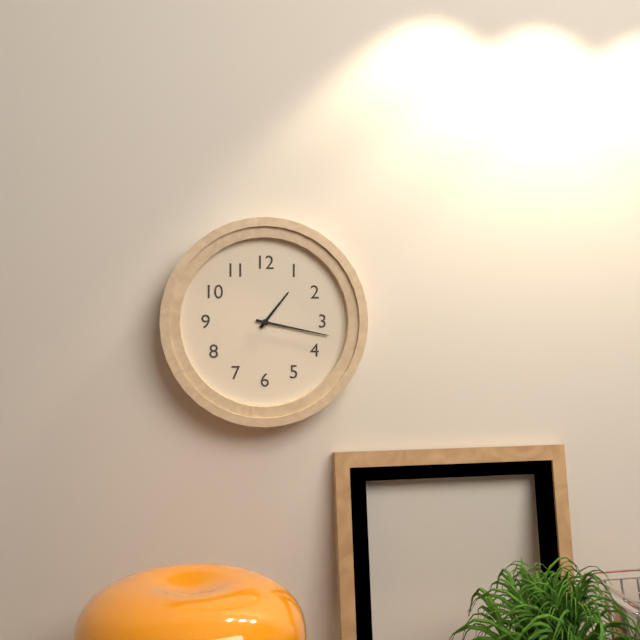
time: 1:17
